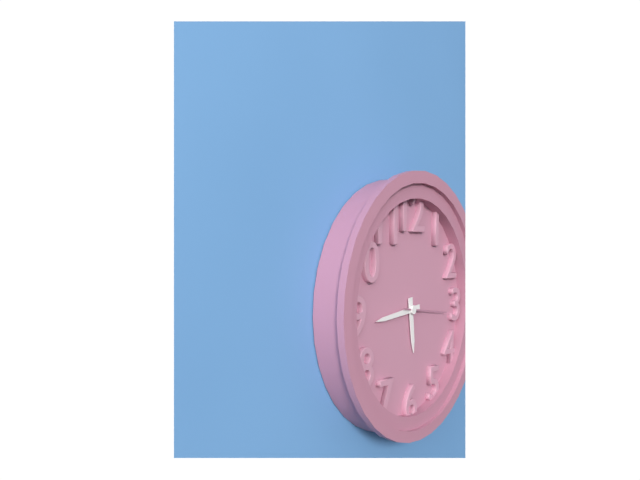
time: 5:44
